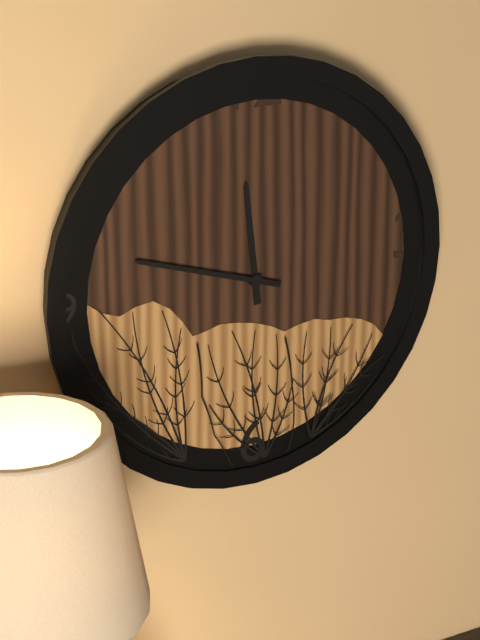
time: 11:48
